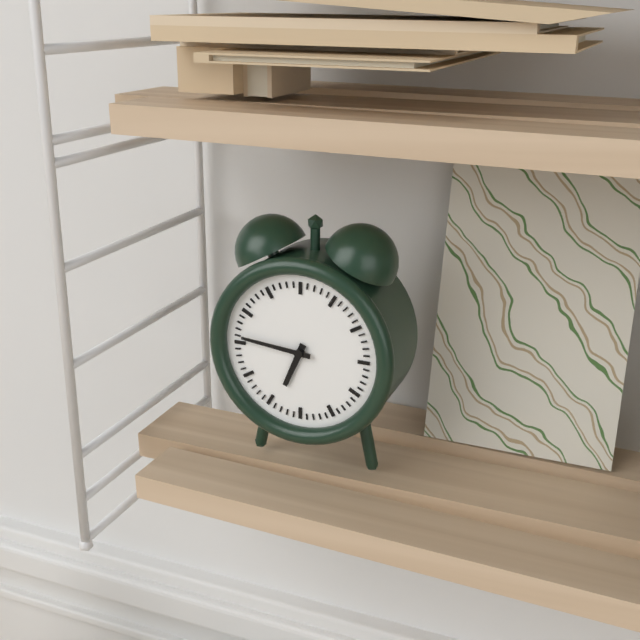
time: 6:46
